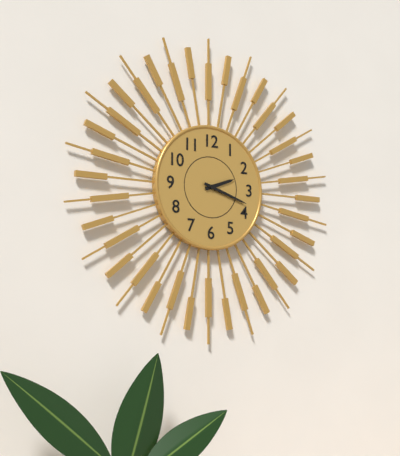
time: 2:18
